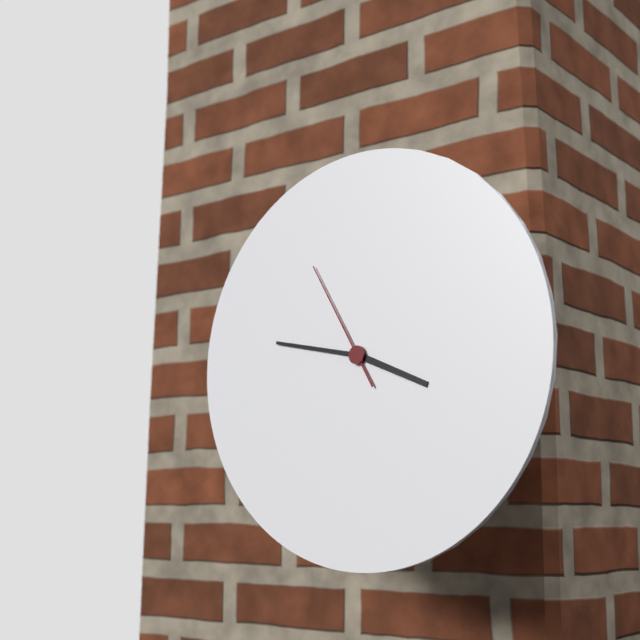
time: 3:47:55
